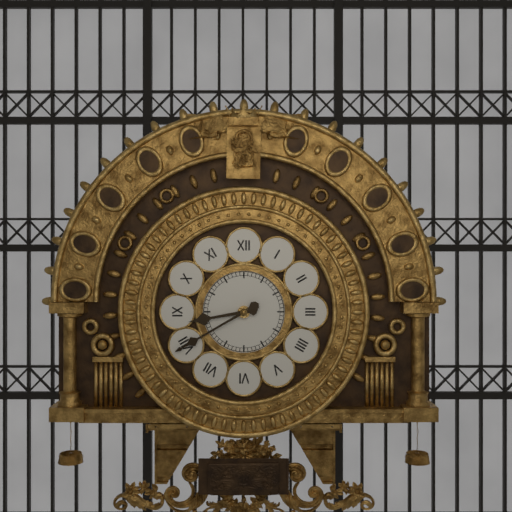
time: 8:40
